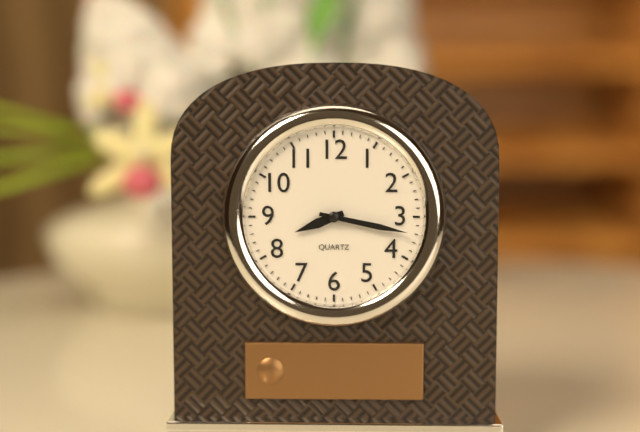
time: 8:17
